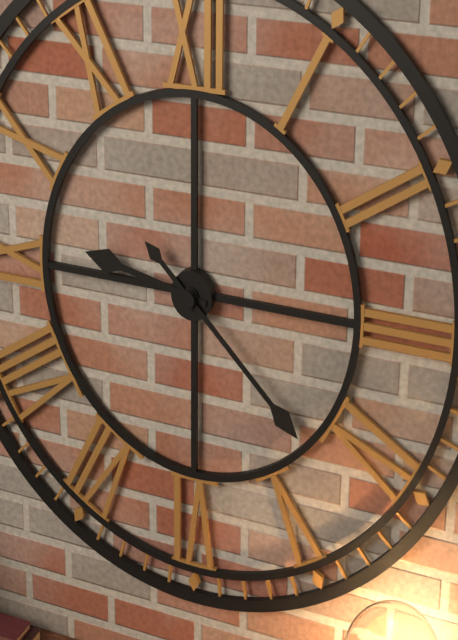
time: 9:22
